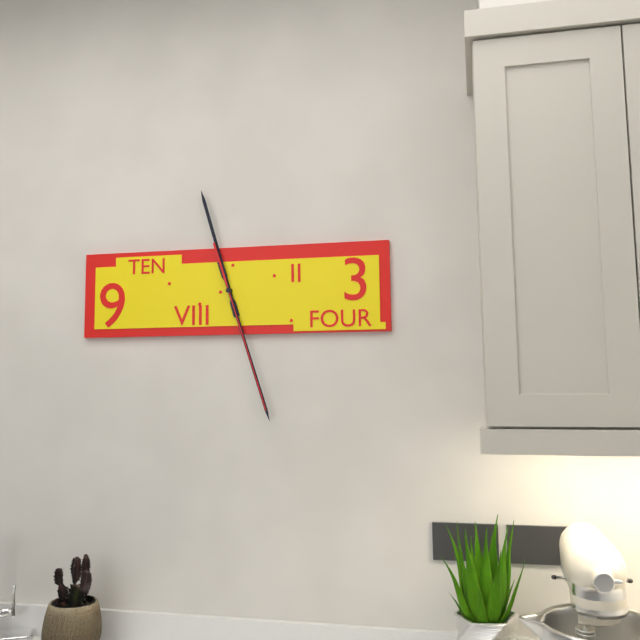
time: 11:27:27
